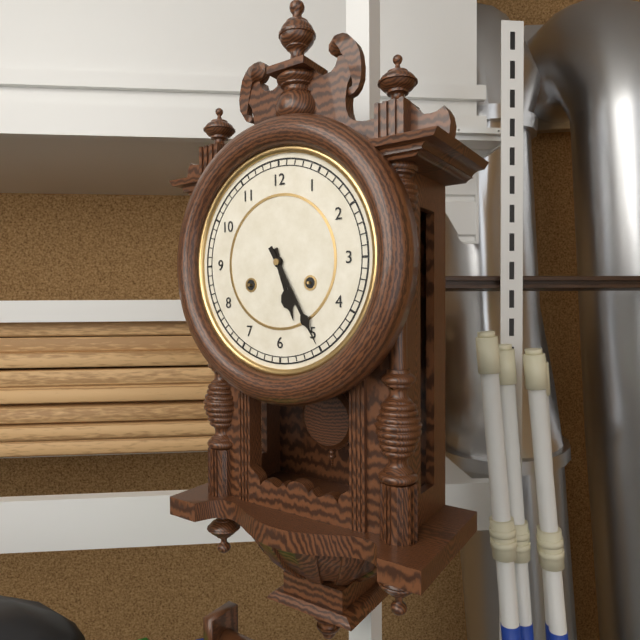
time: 5:25
